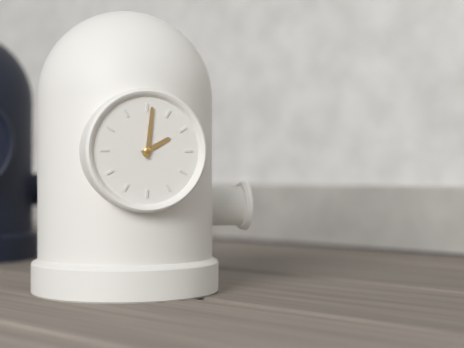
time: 2:01
